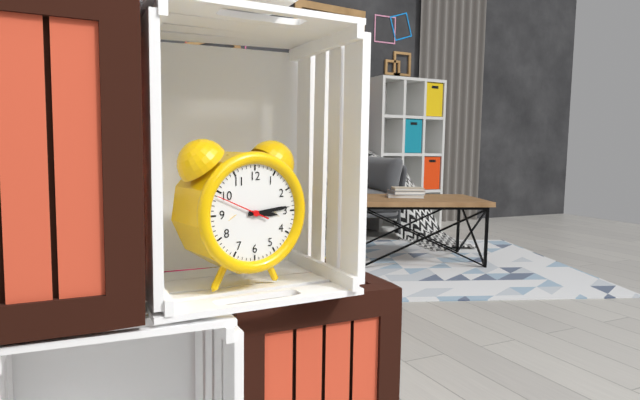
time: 3:14:49
